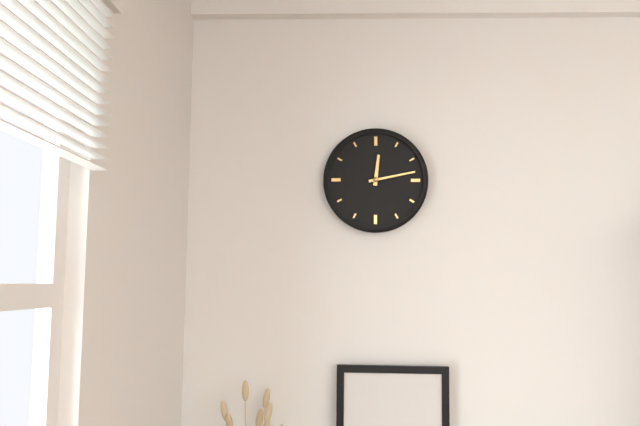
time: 12:13
